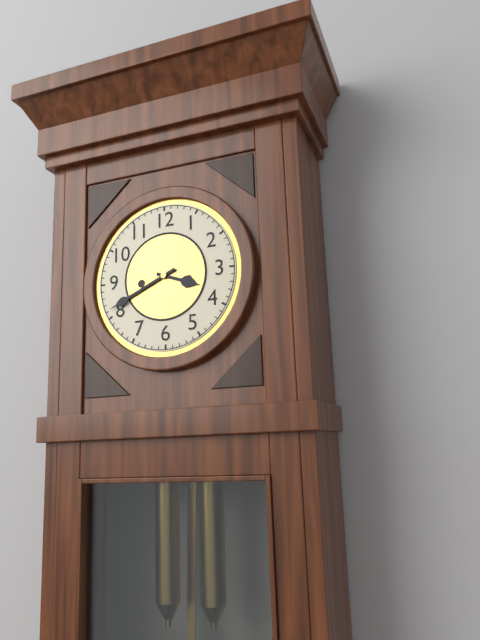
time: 3:41
